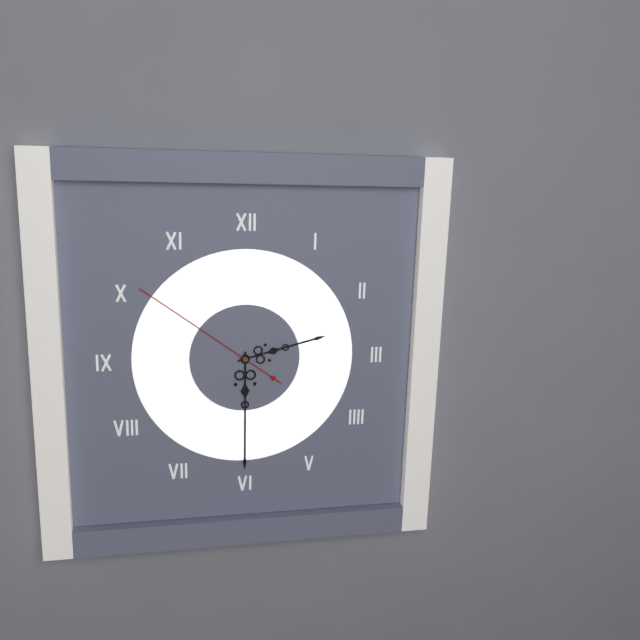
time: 2:30:51
